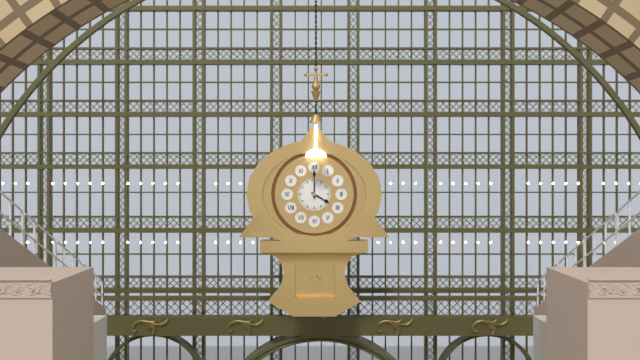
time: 4:00
